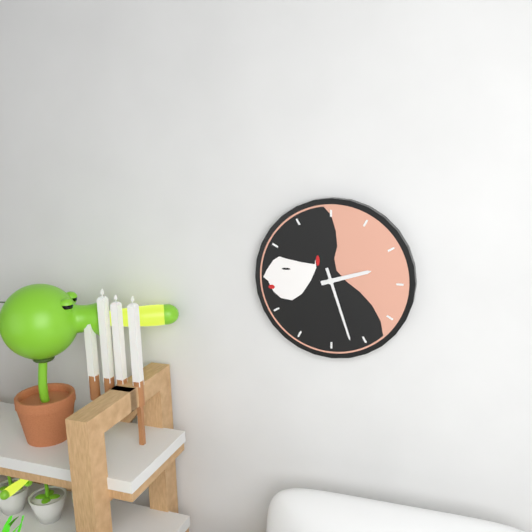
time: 2:27
